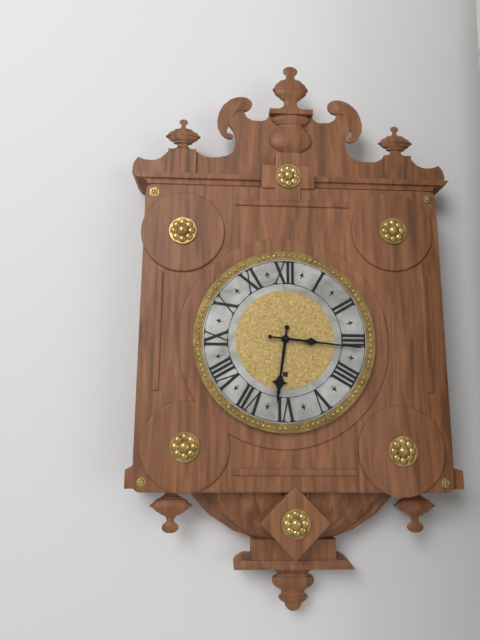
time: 6:16
